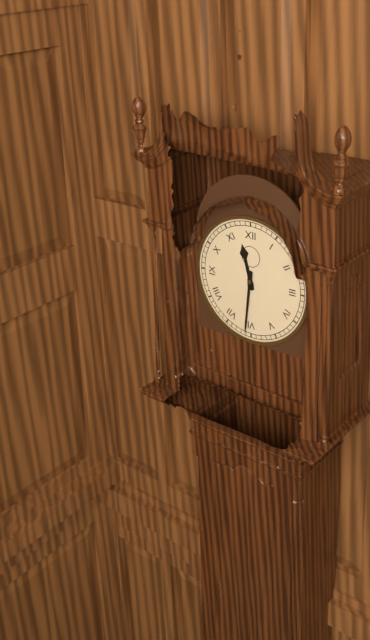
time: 11:31
